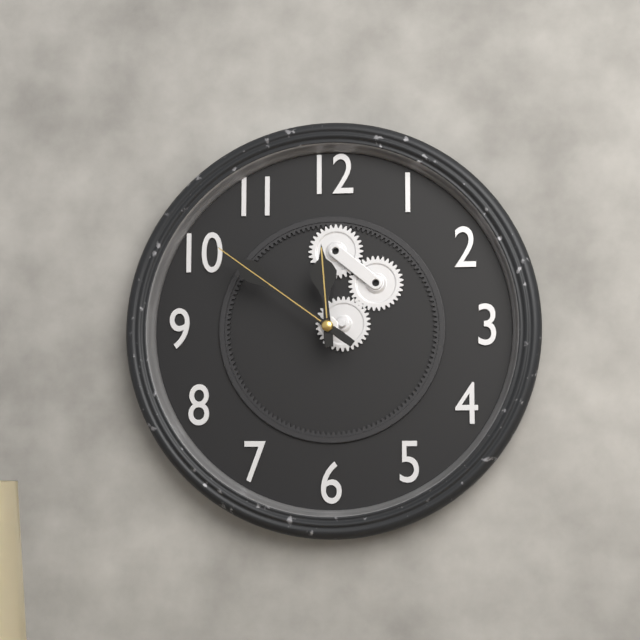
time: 11:51
